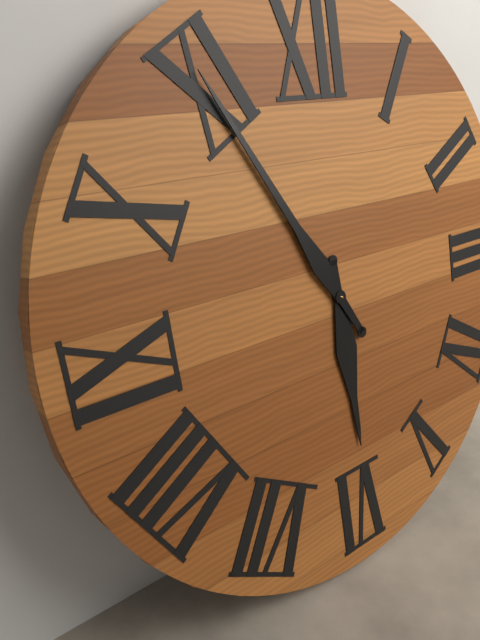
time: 5:55
